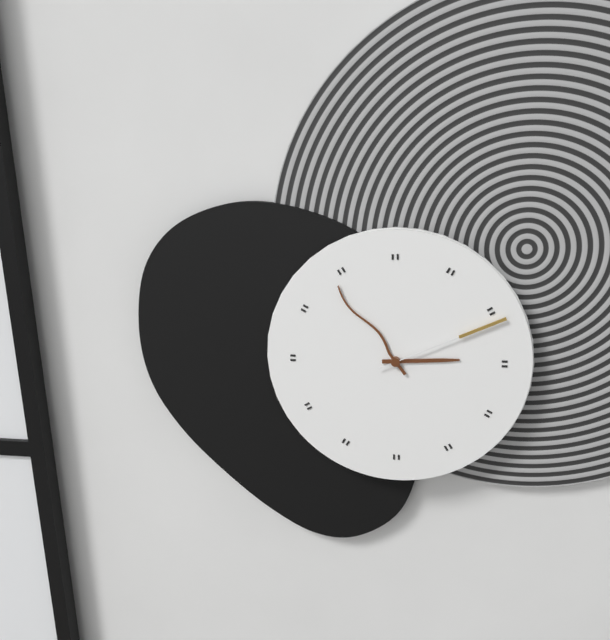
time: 2:54:11
